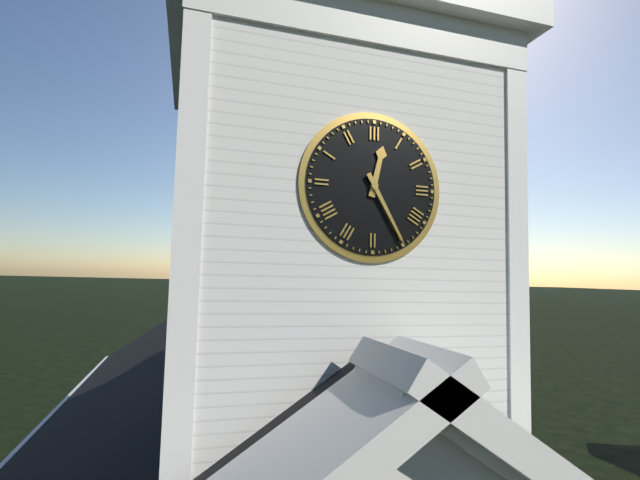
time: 12:25
